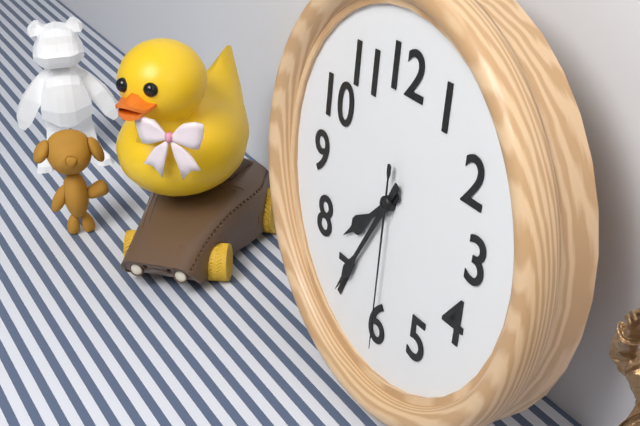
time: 7:35:30
